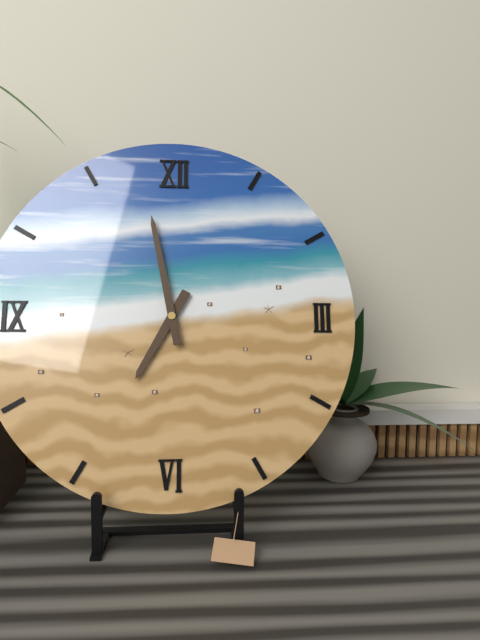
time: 6:58
